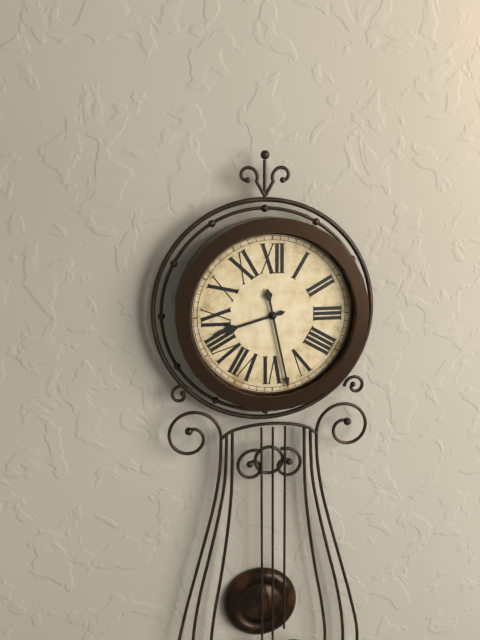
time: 8:28
